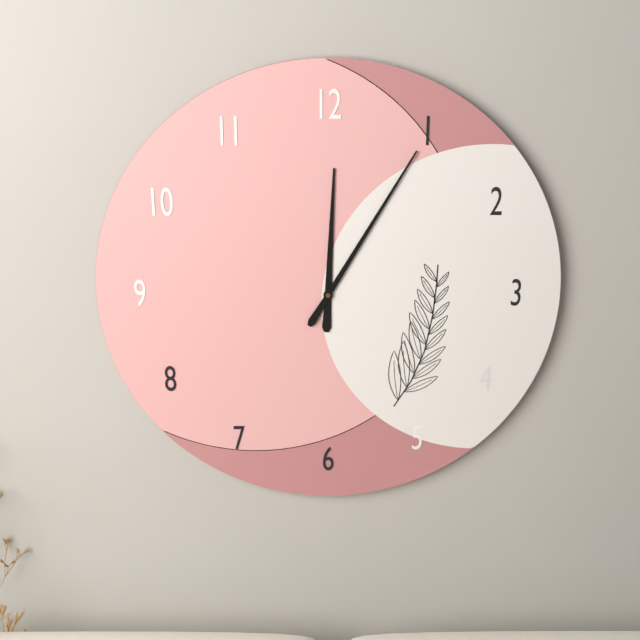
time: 12:05
